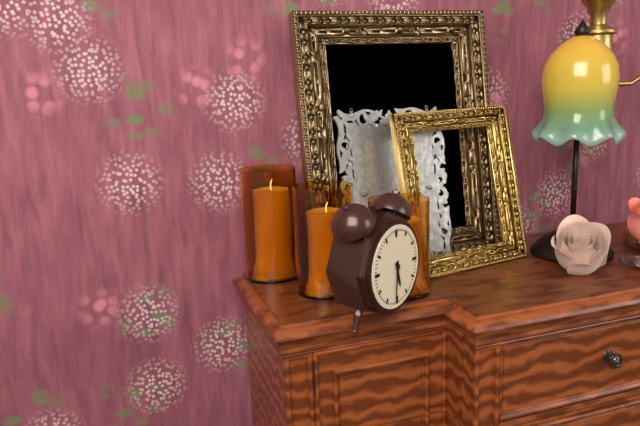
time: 5:31
